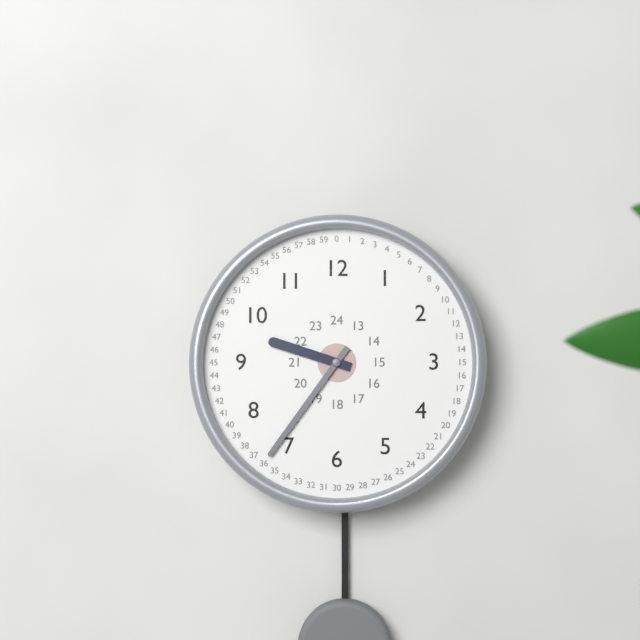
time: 9:36
